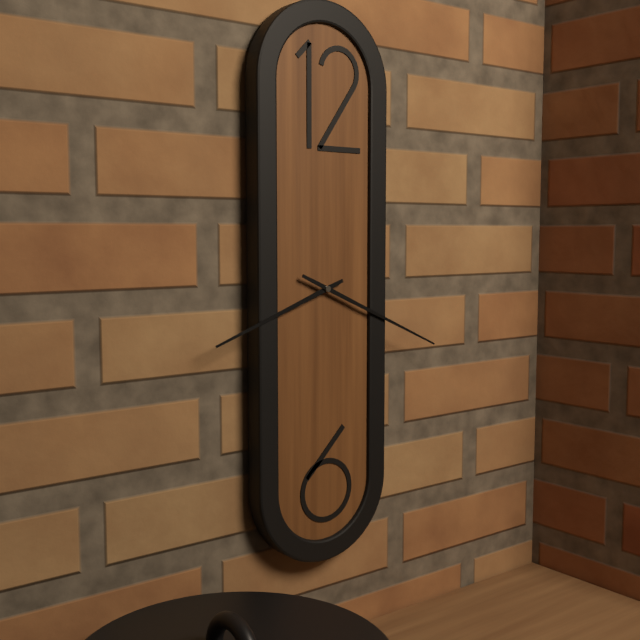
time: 8:19
